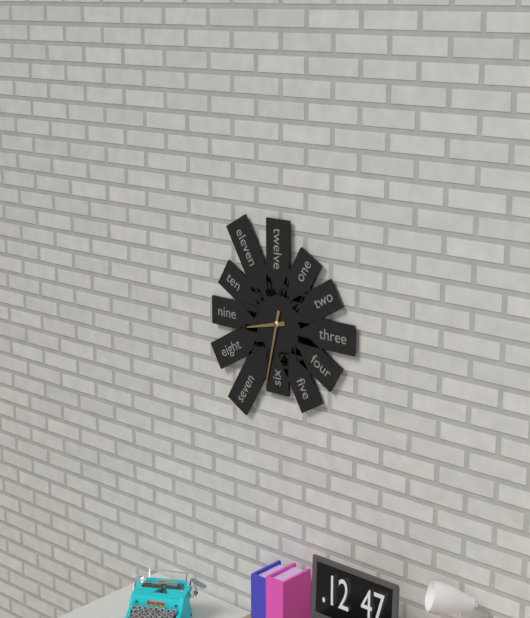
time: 8:32
